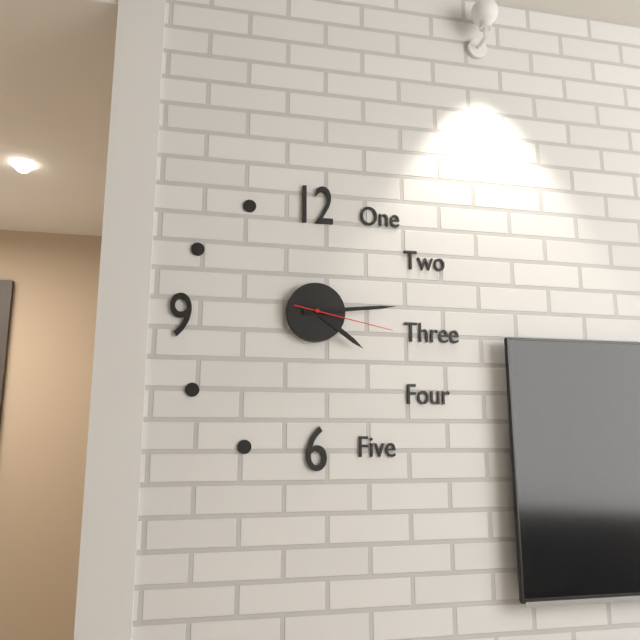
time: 4:14:17
